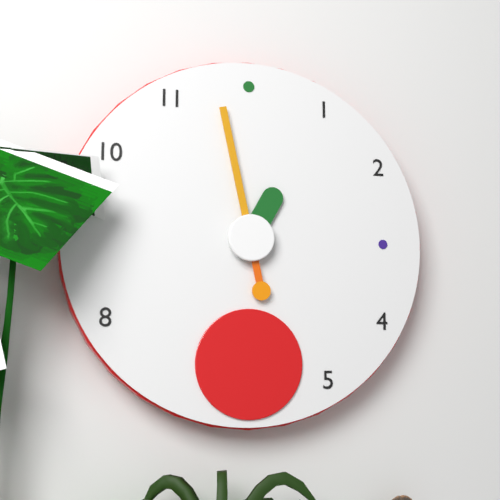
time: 12:58
